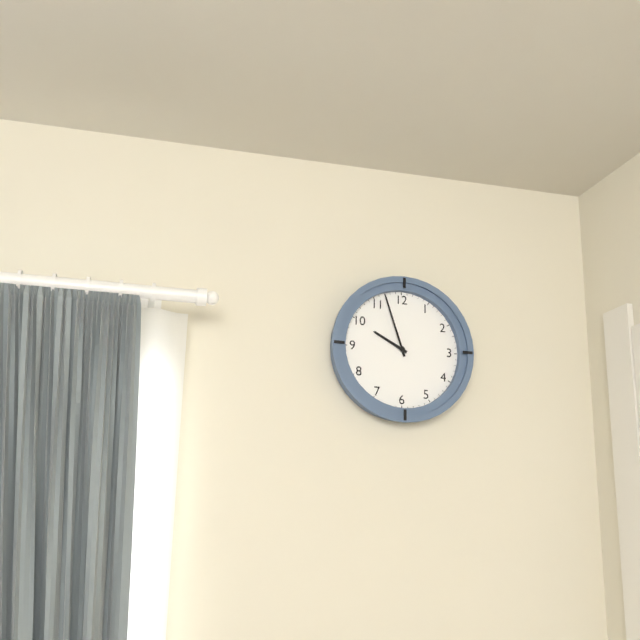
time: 9:57
